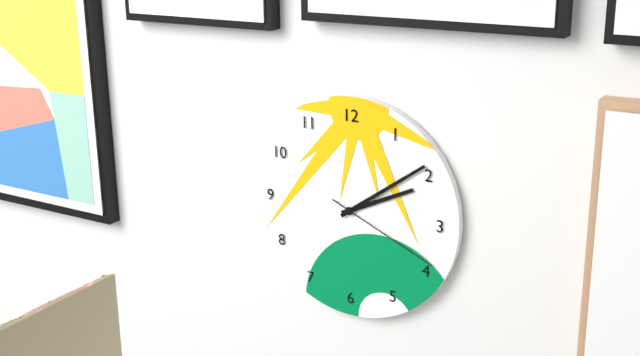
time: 2:09:19
